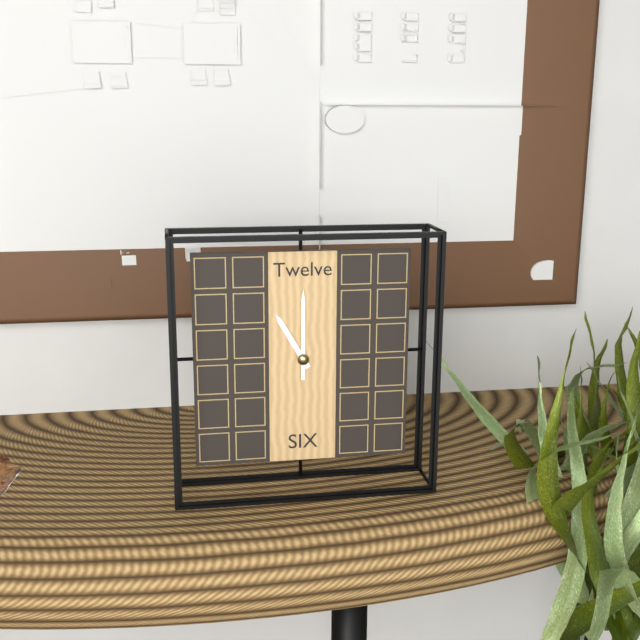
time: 11:00
